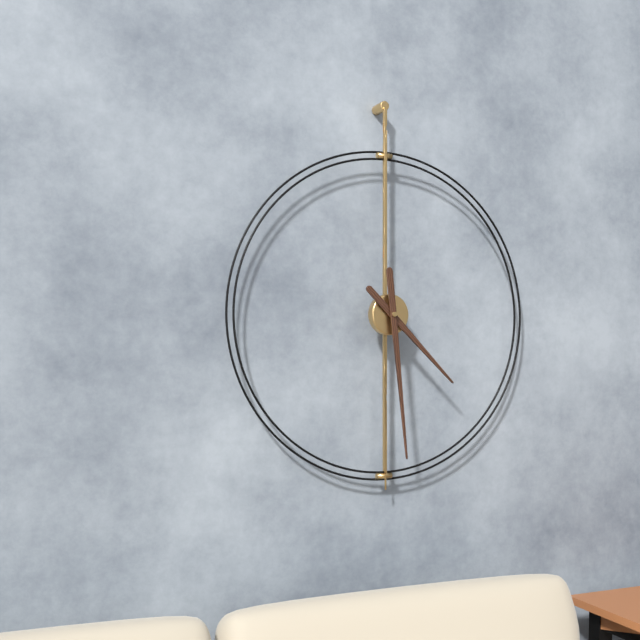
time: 4:29
